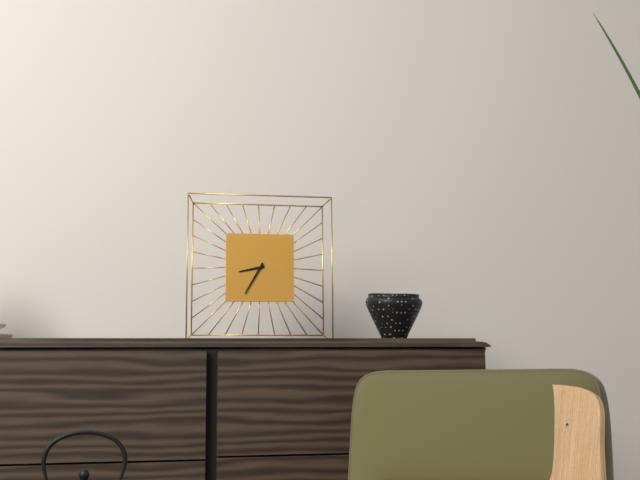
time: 8:35
